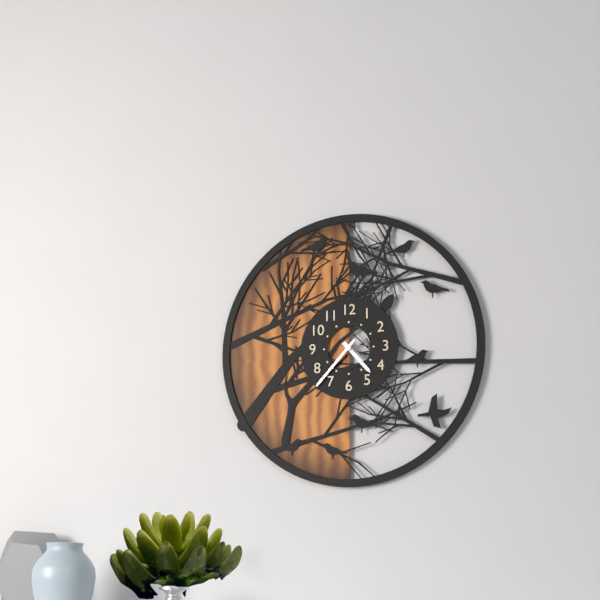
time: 4:37
